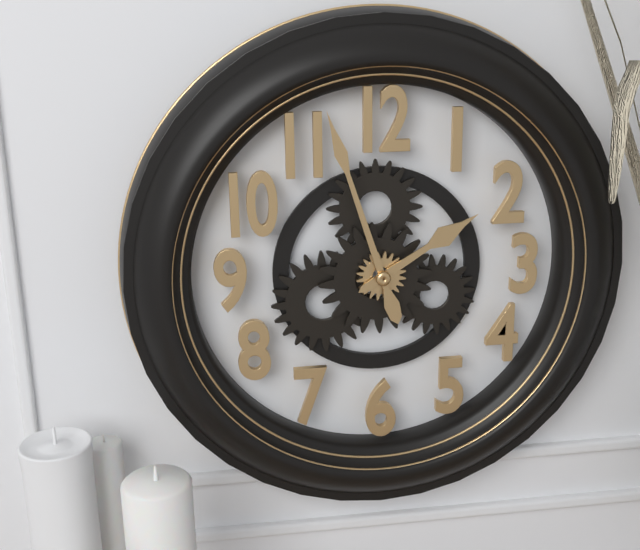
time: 1:57
